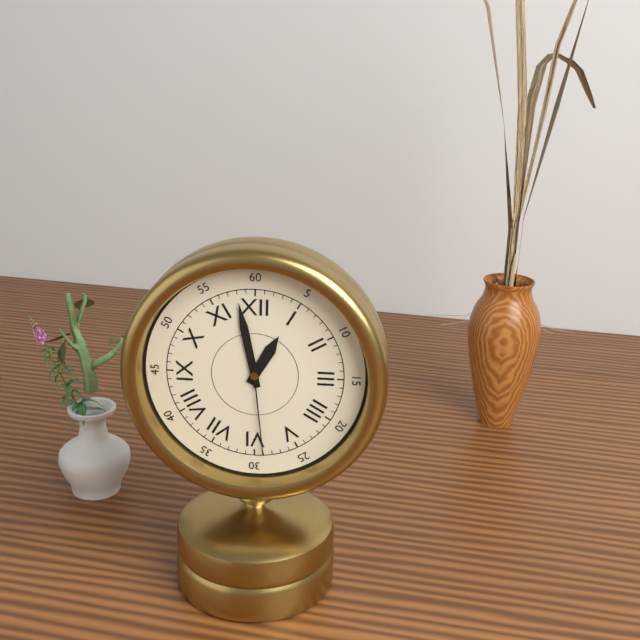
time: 12:58:29
